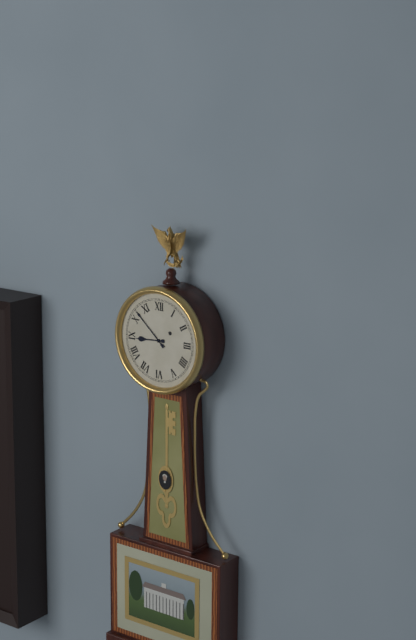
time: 8:52
